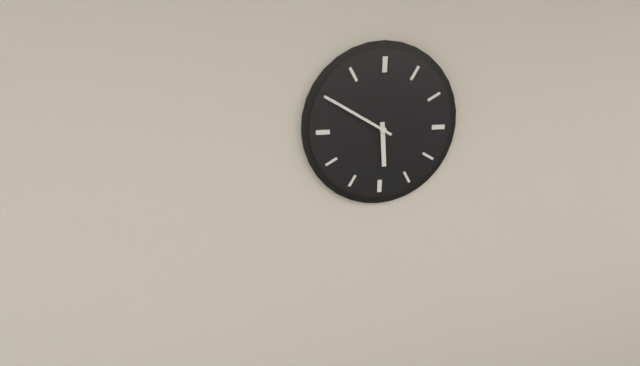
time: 5:50
